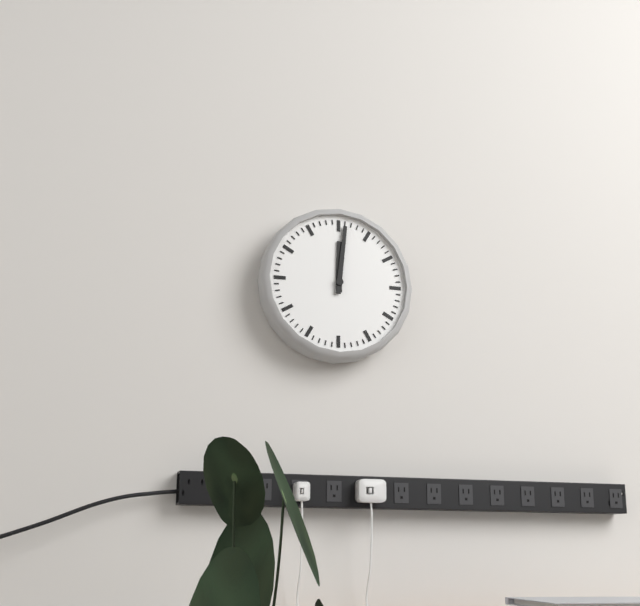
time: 12:01
